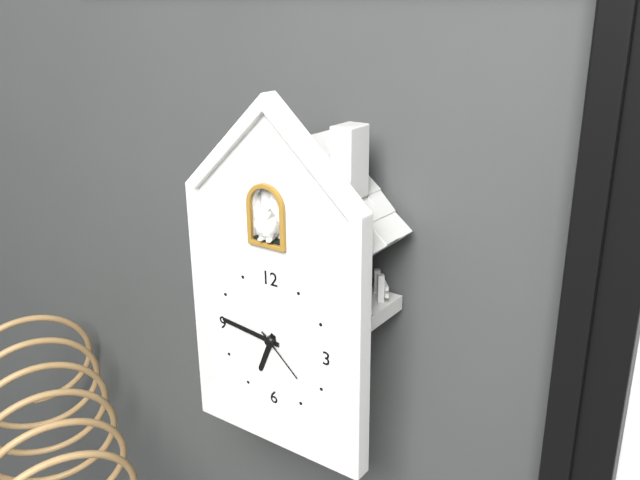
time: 6:46:22
